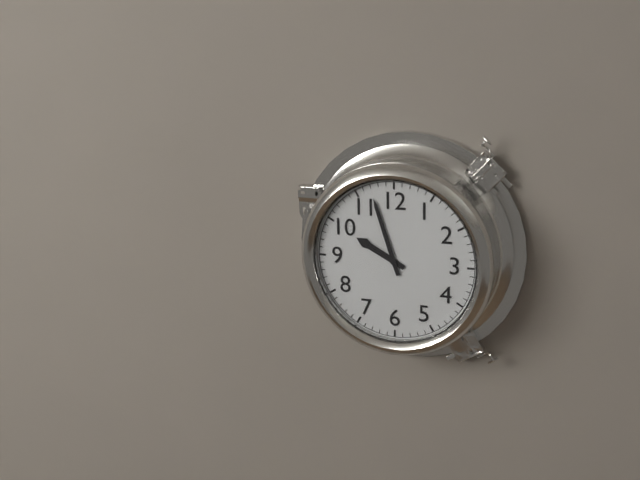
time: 9:57
